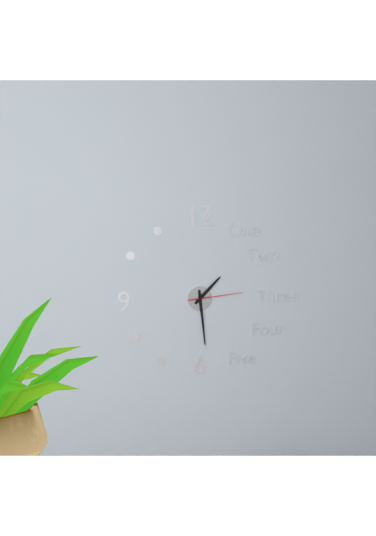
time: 1:29:14
